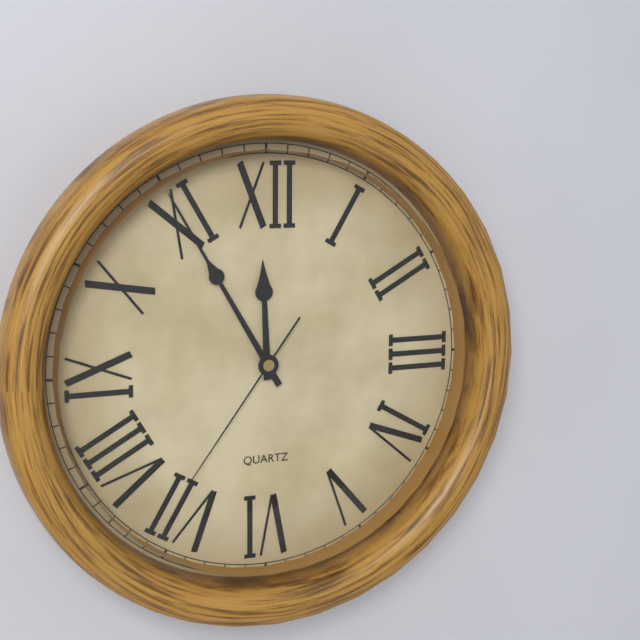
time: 11:55:36
